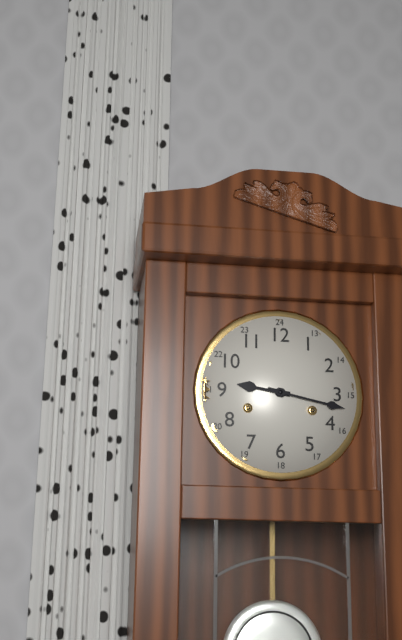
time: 9:17
